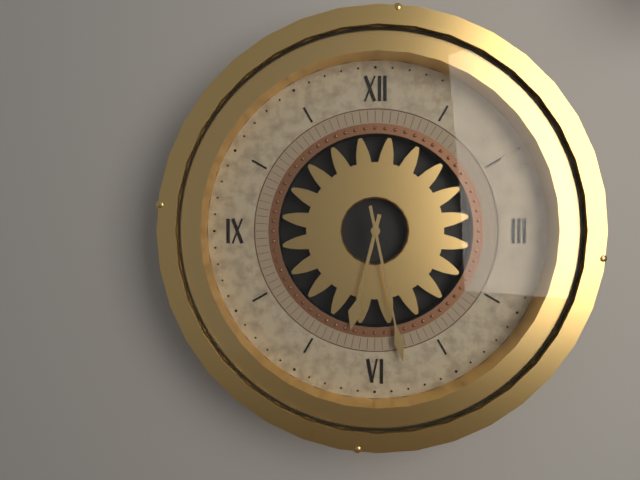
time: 6:28
